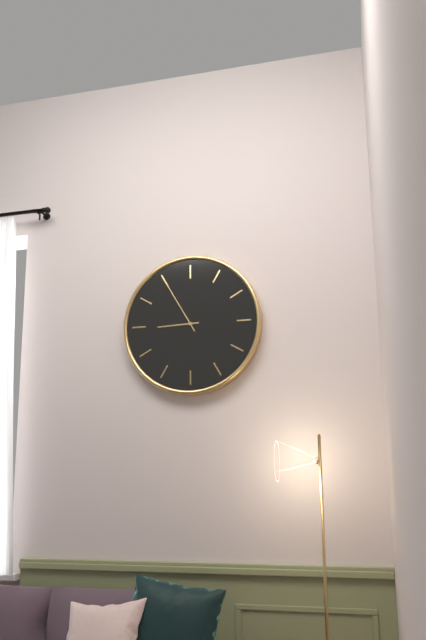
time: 8:55
